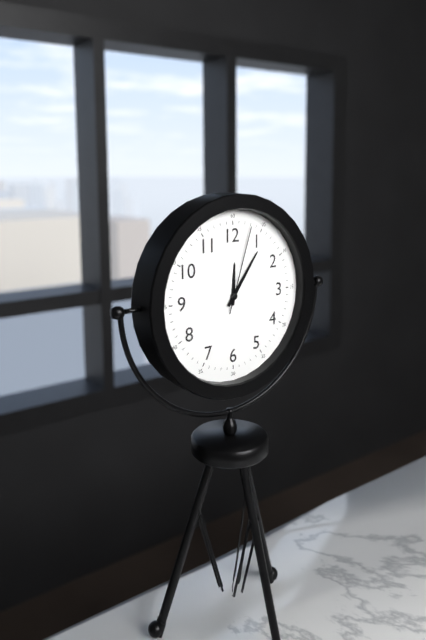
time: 12:06:03
